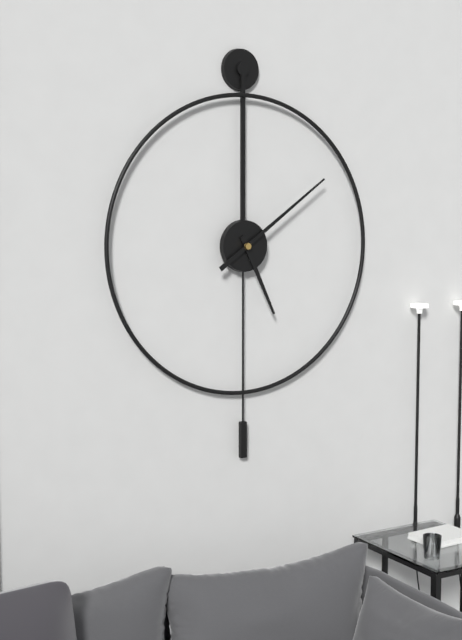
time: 5:09
